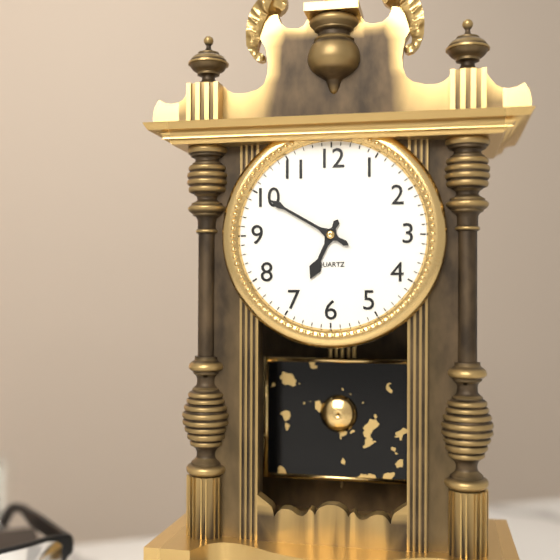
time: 6:50
